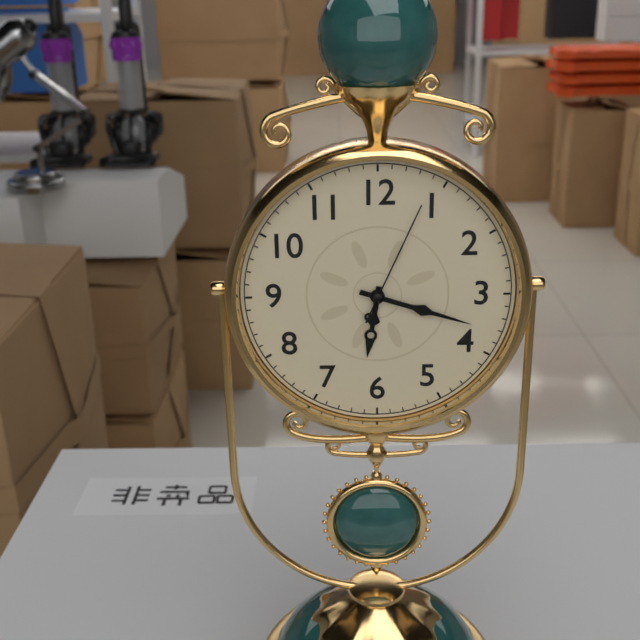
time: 6:18:04
